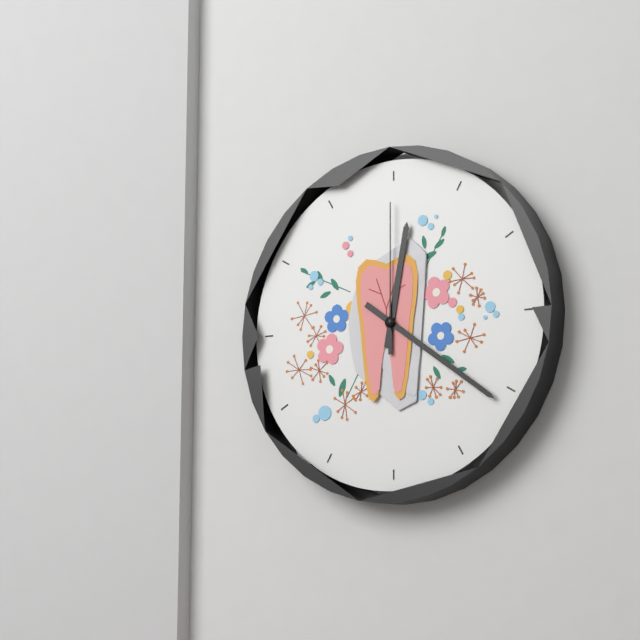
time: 12:21:00
